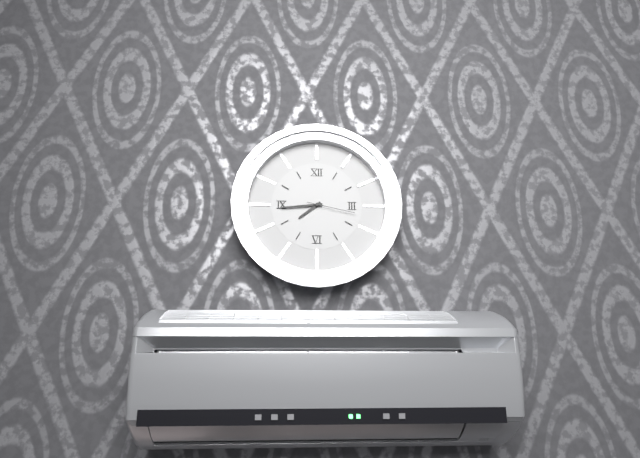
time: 7:44
